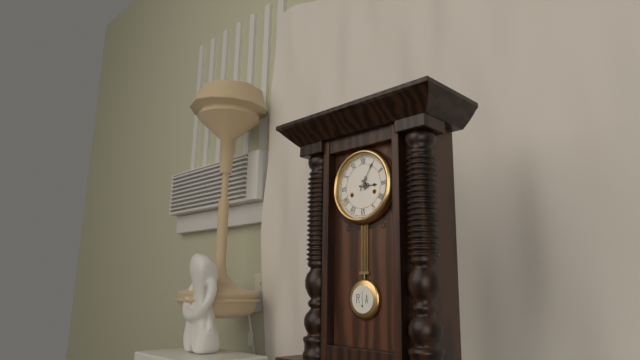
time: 3:05
